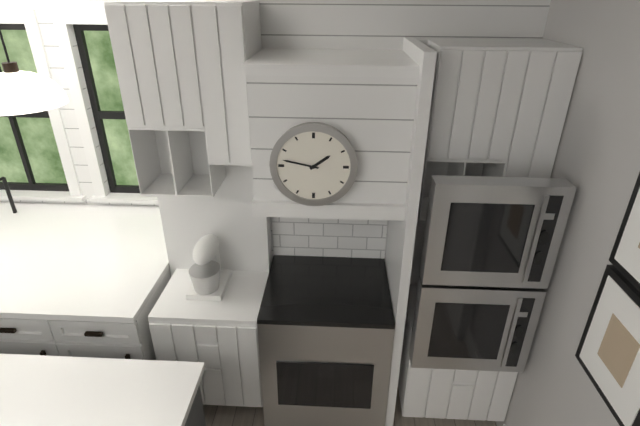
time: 1:47
